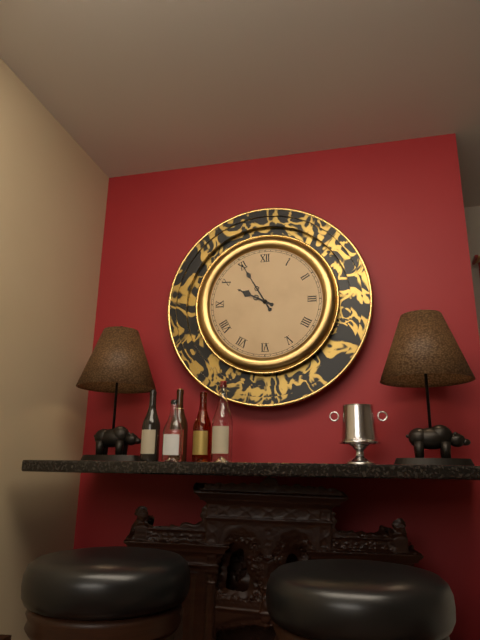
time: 9:55
